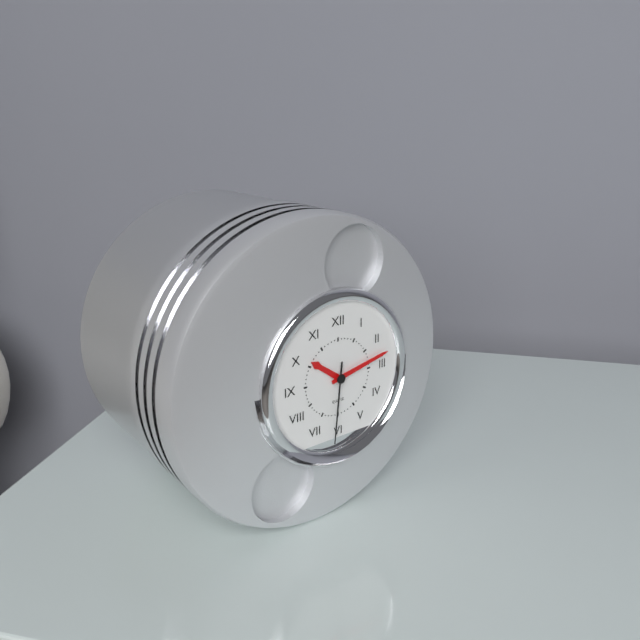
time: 10:13:31
